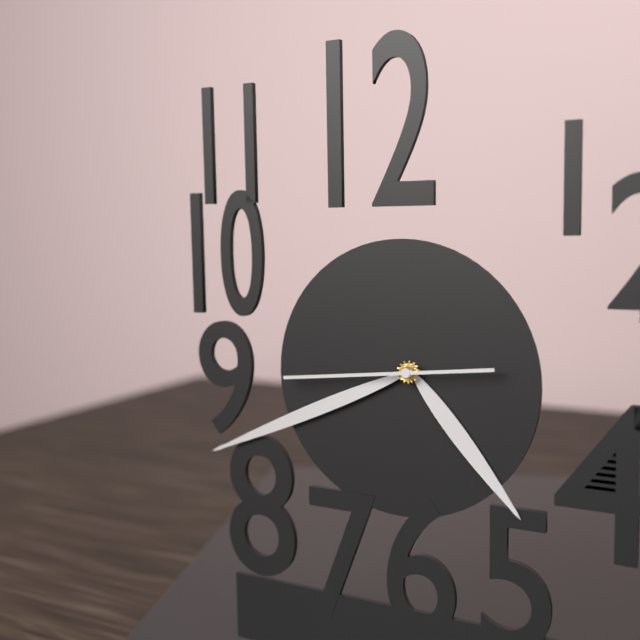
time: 4:41:44
